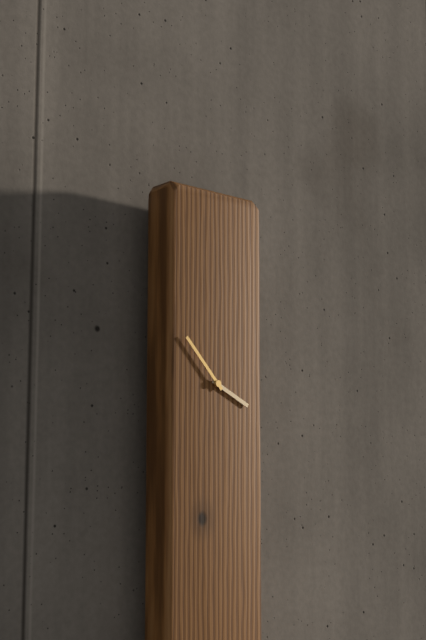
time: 3:53
